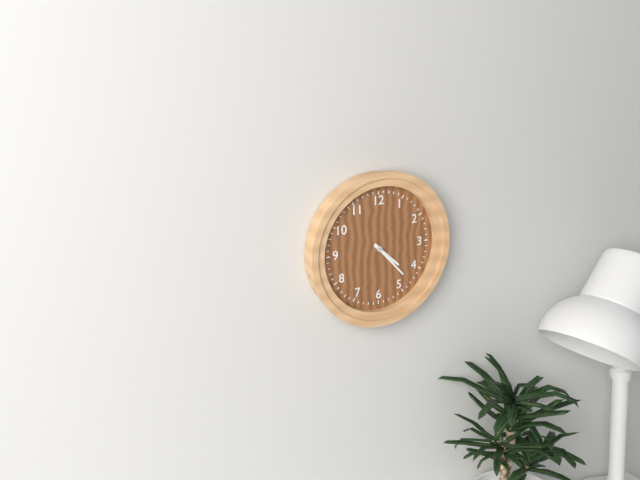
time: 4:23
